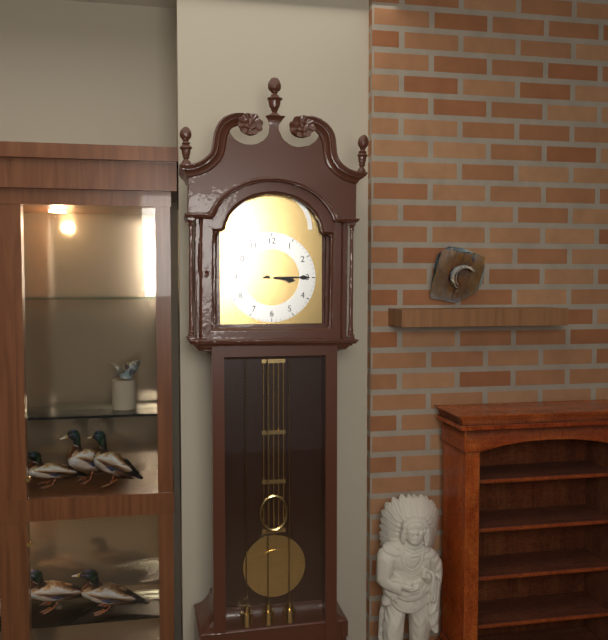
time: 3:15
